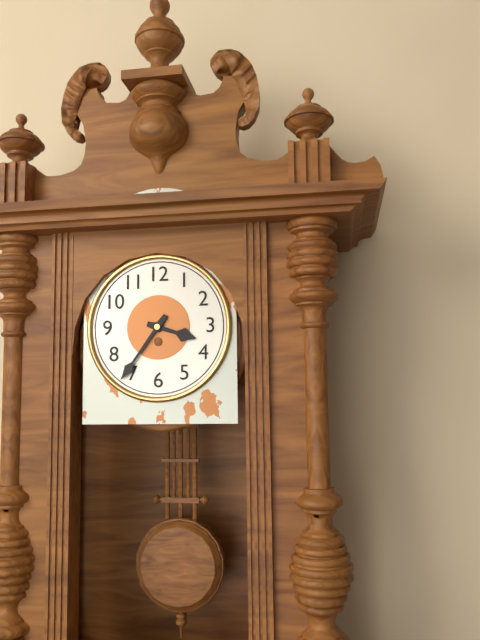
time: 3:36
